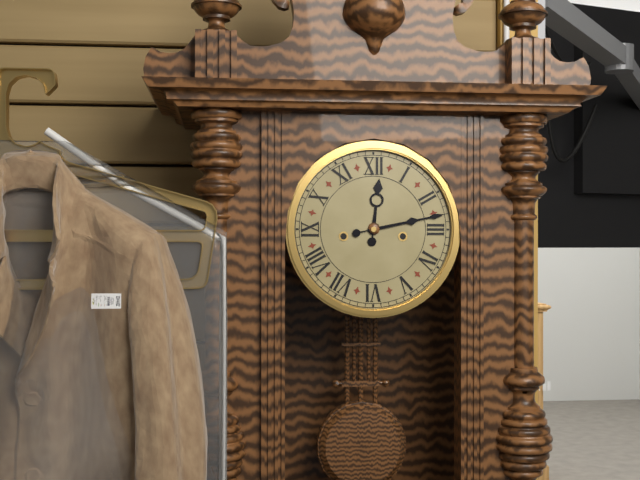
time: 12:13
